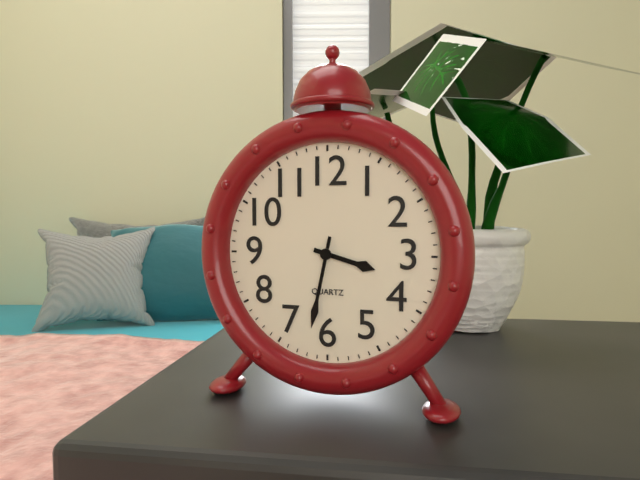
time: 3:32
